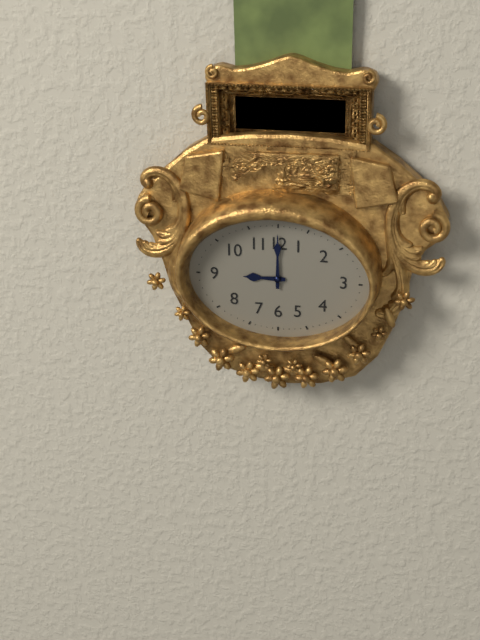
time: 9:00
